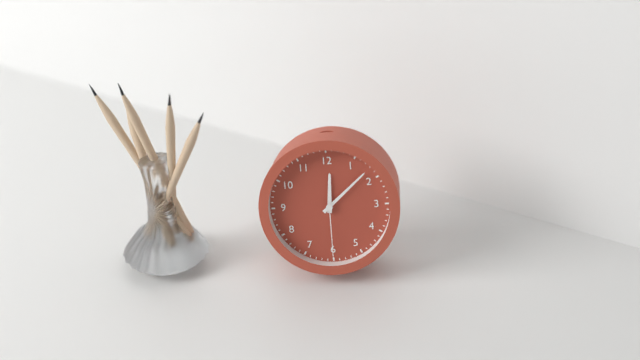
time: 12:08:30
